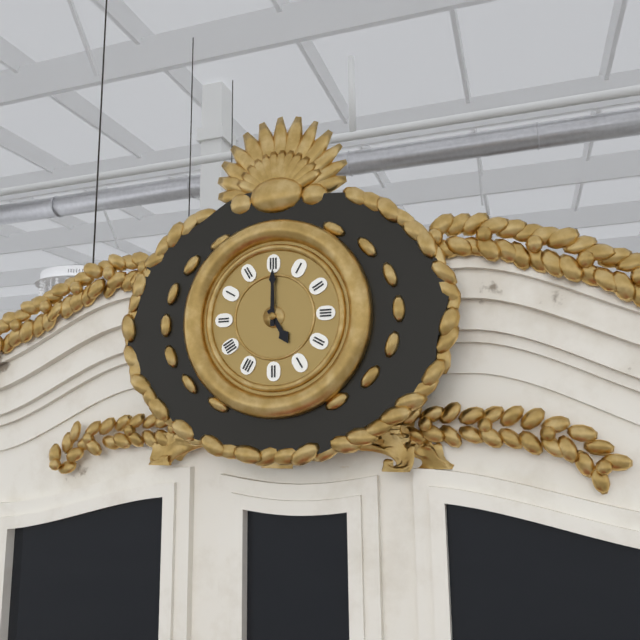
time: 5:00
